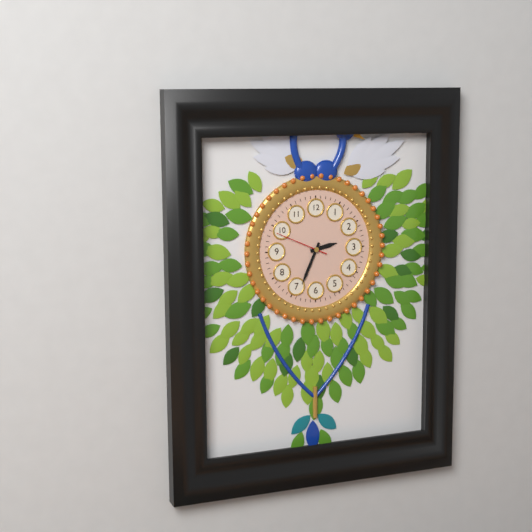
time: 2:34:49
